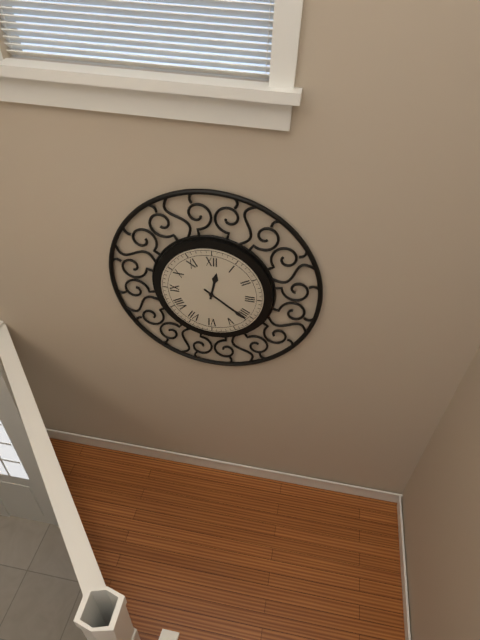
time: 12:21
